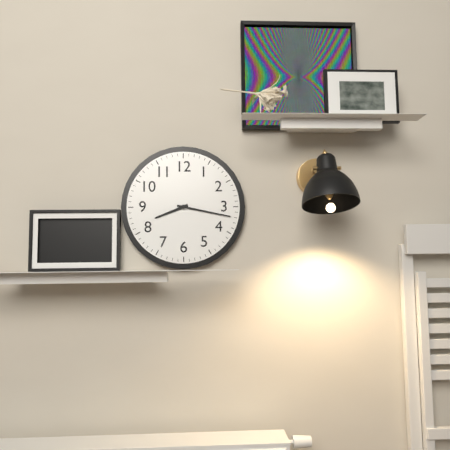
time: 8:17
